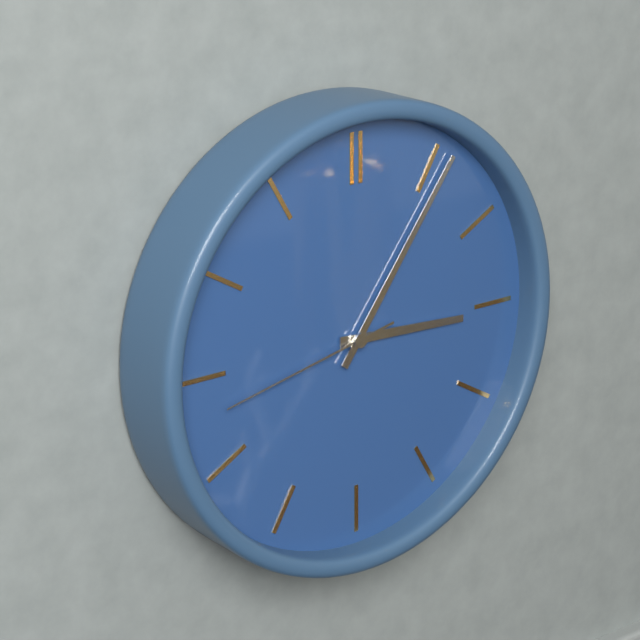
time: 3:06:43
